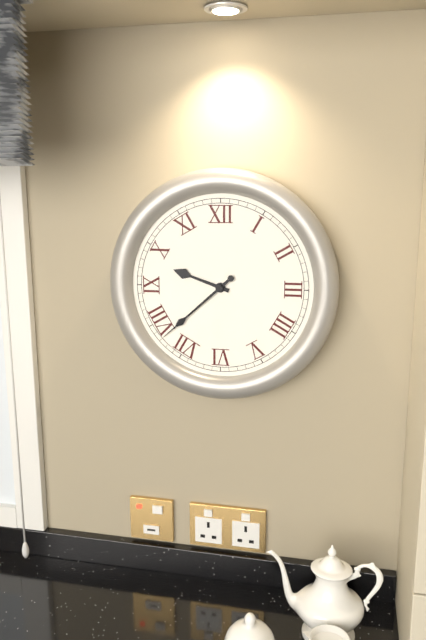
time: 9:38
